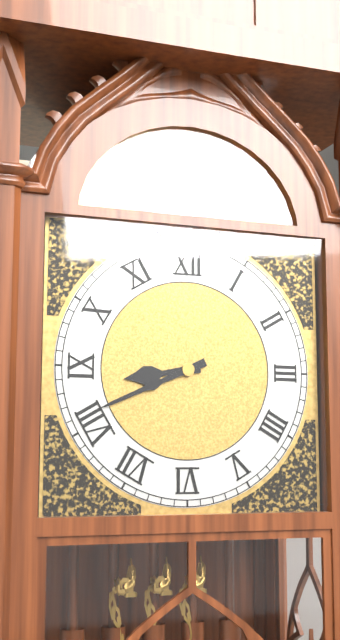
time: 8:41
